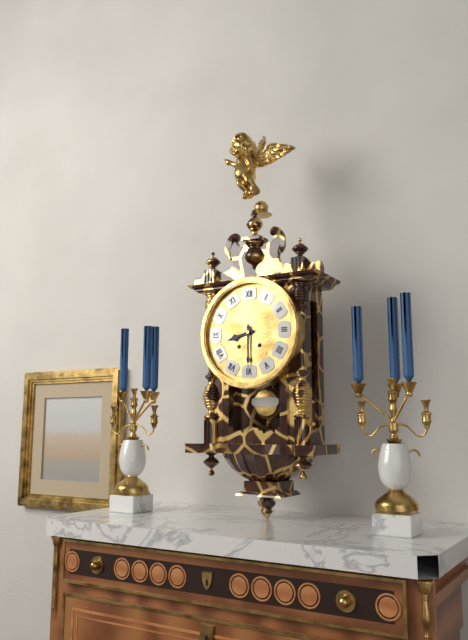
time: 8:30
